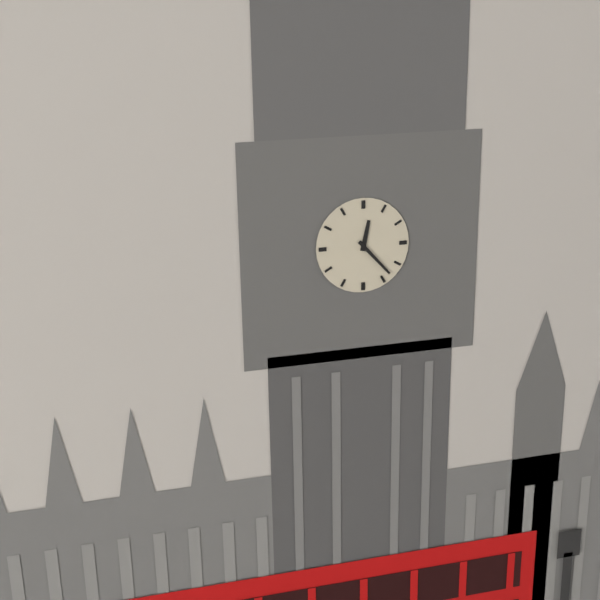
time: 12:23
